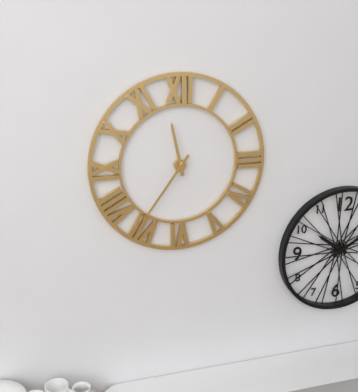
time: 11:36
